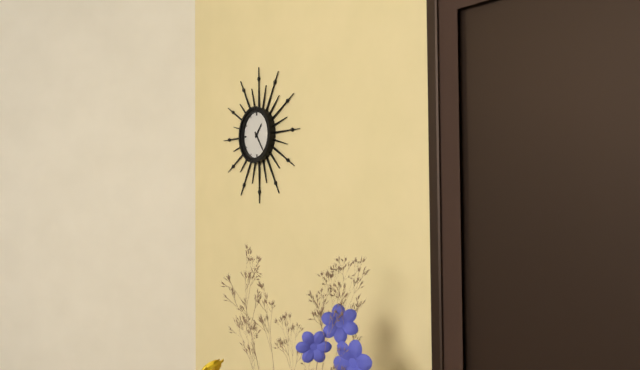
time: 1:24
